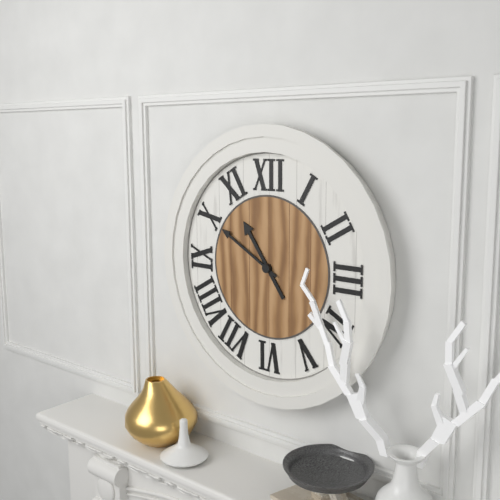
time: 10:50
